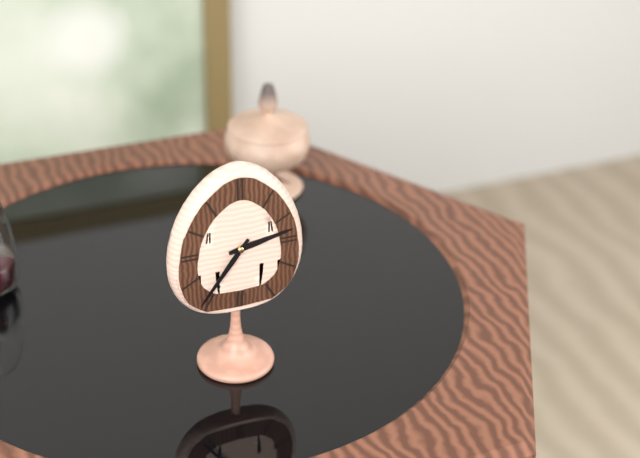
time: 2:36
